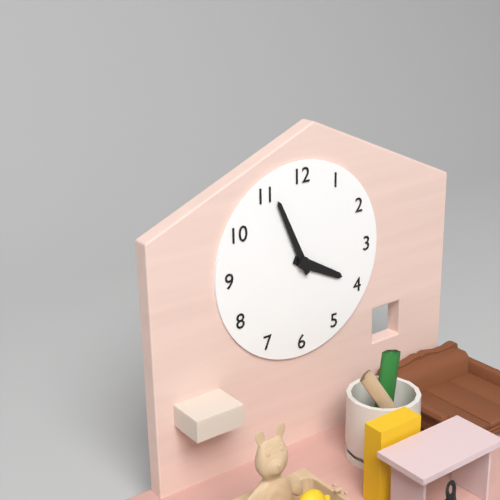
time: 3:56
